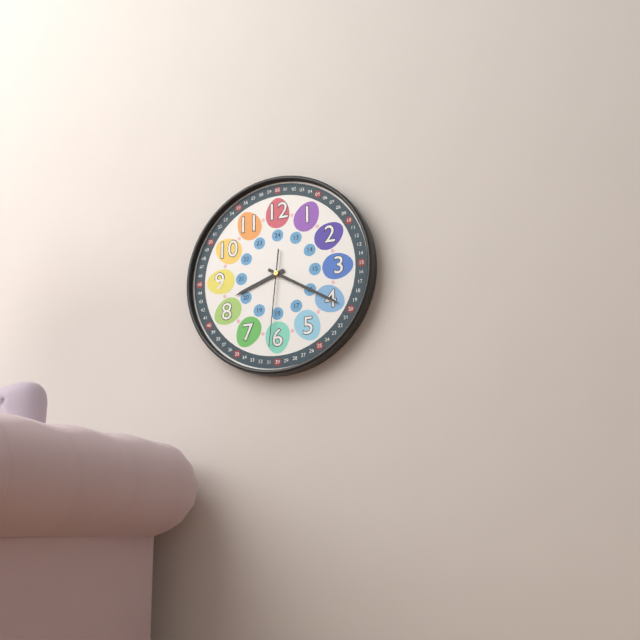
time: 8:20:31
